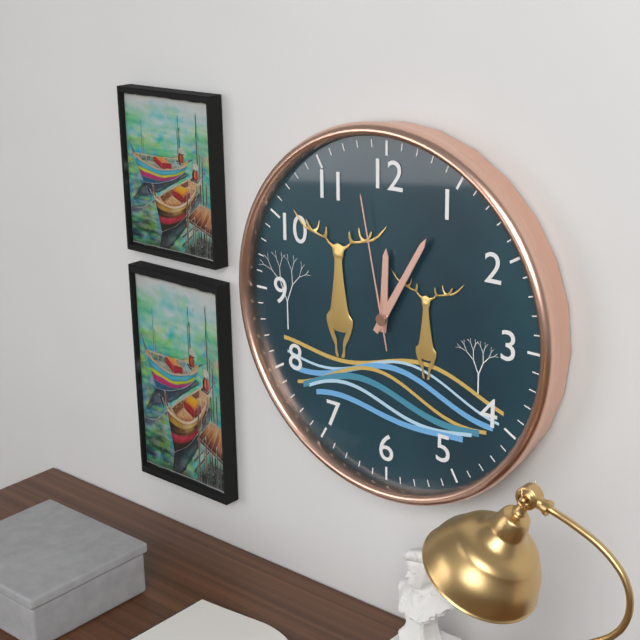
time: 12:05:58
